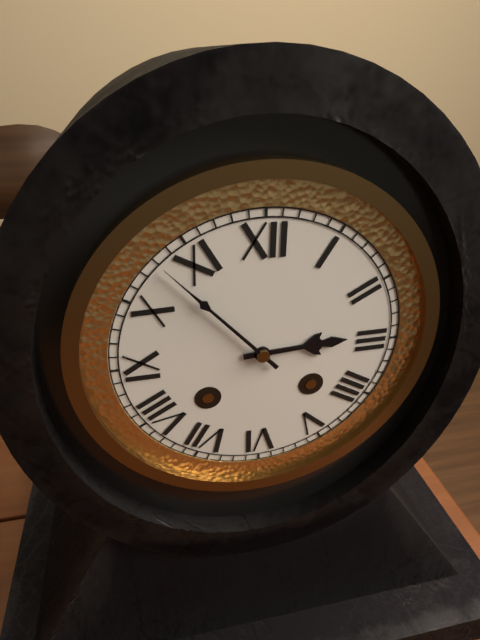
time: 2:53
